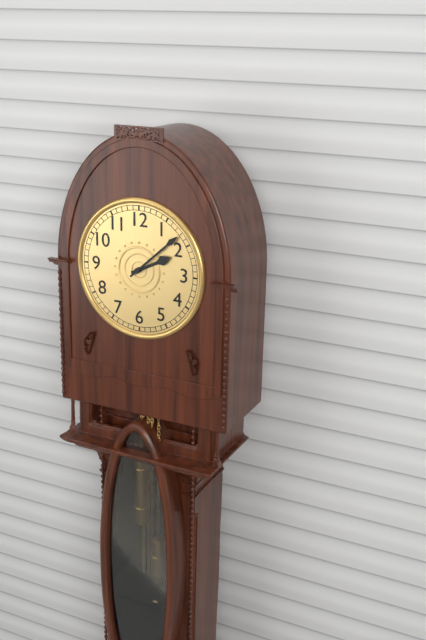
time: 2:08
